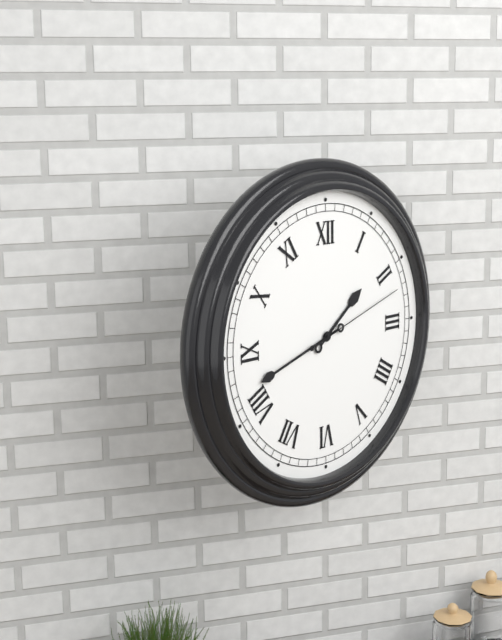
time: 1:42:12
